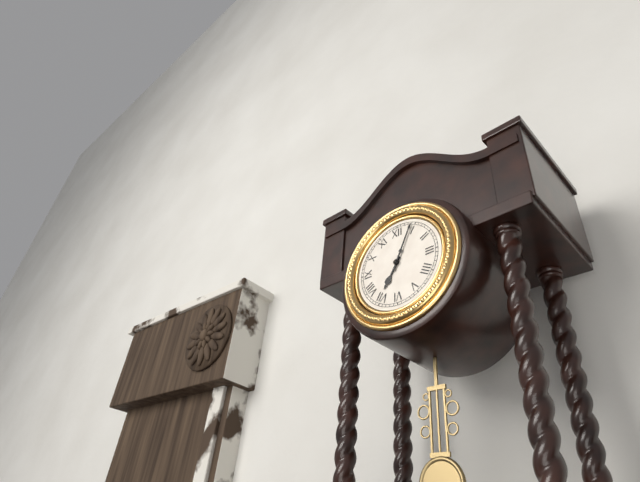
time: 7:04
